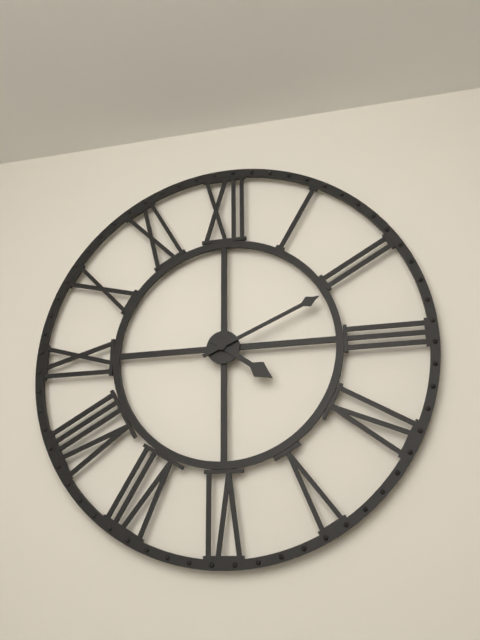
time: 4:11
